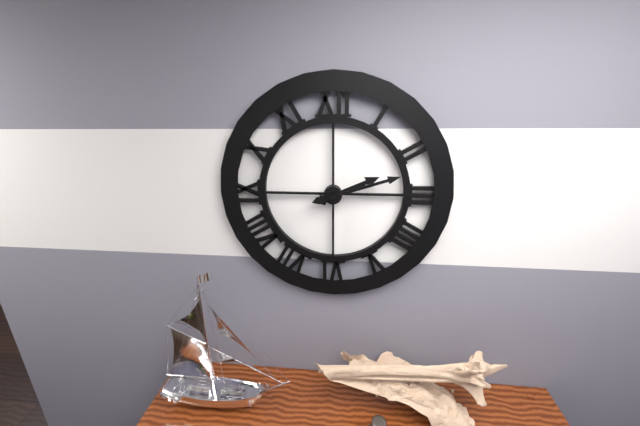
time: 2:12
